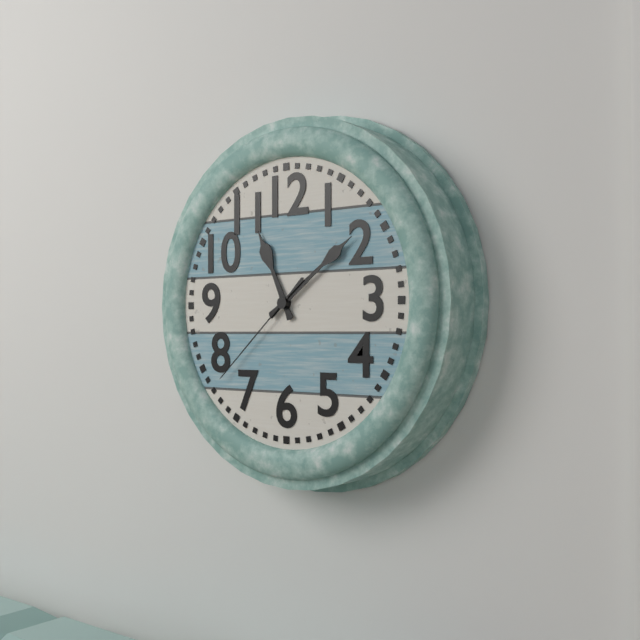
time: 11:09:38
